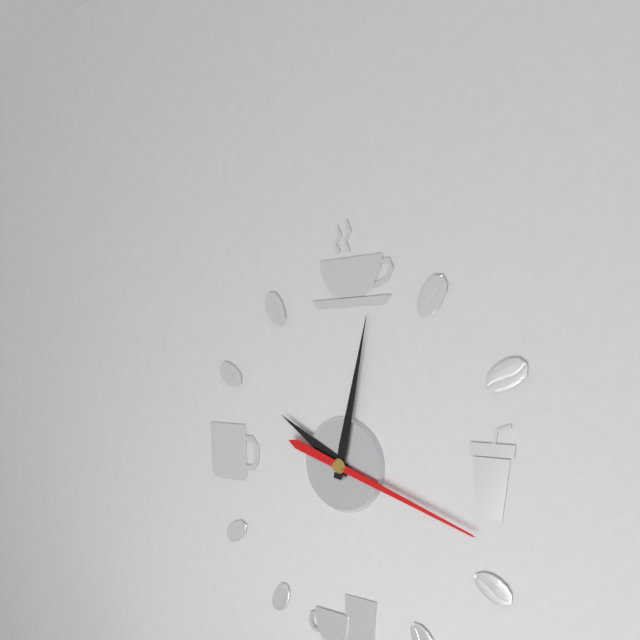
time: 10:02:18
